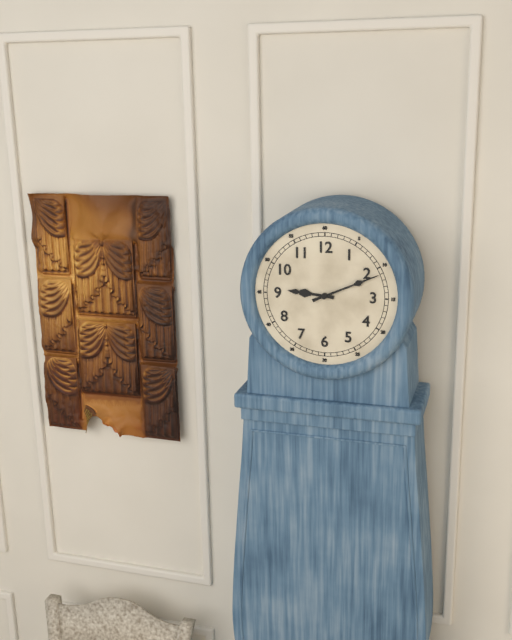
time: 9:11
